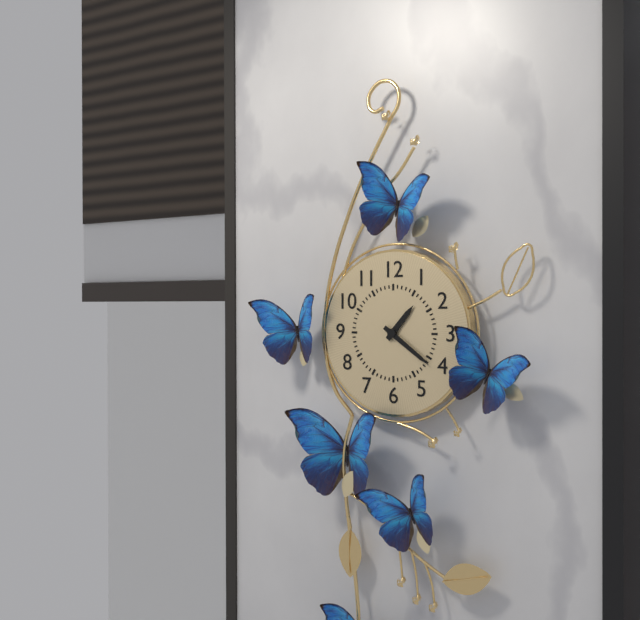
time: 1:21
